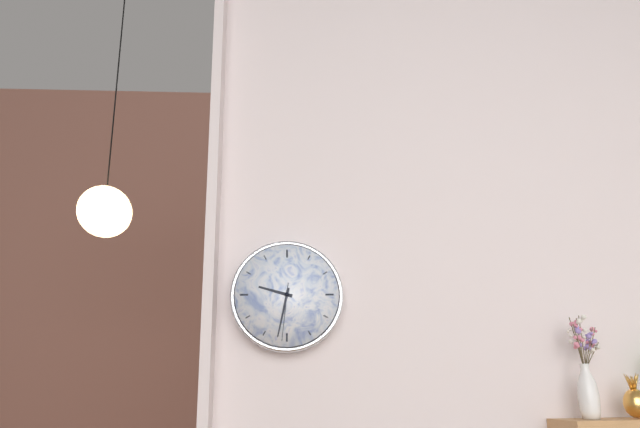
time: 9:32:31
